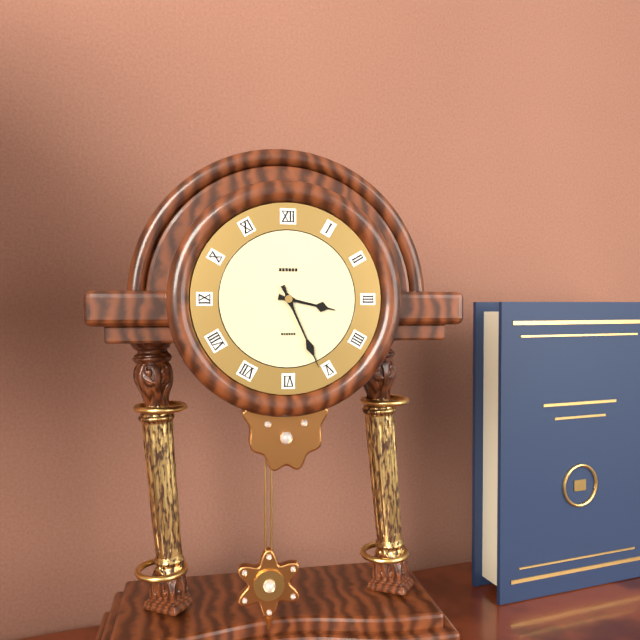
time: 3:26
